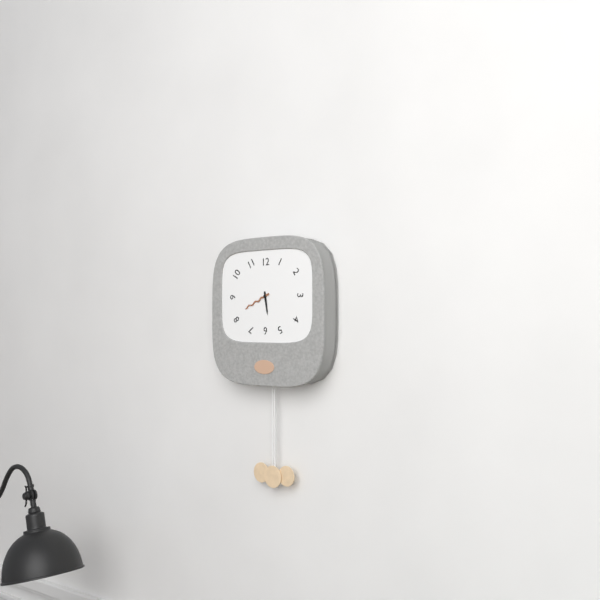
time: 5:41
